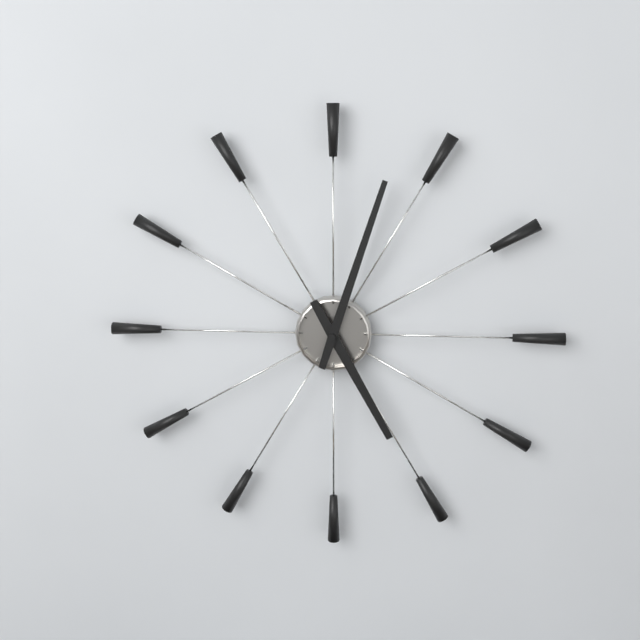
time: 5:03
